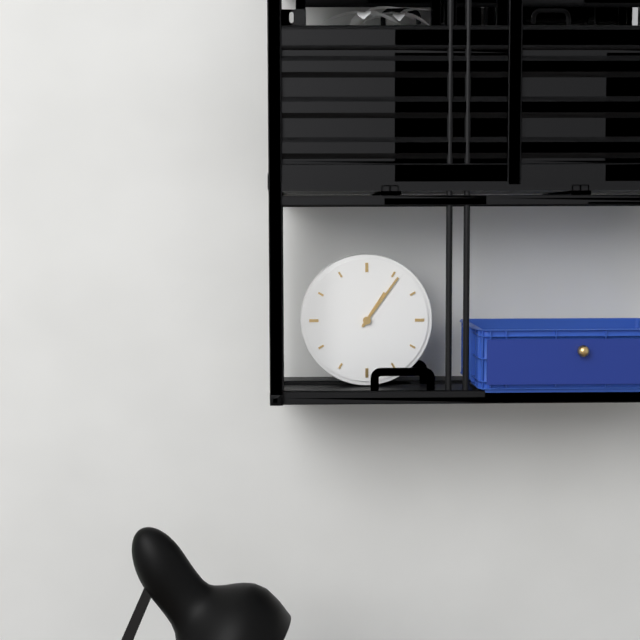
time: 1:06
